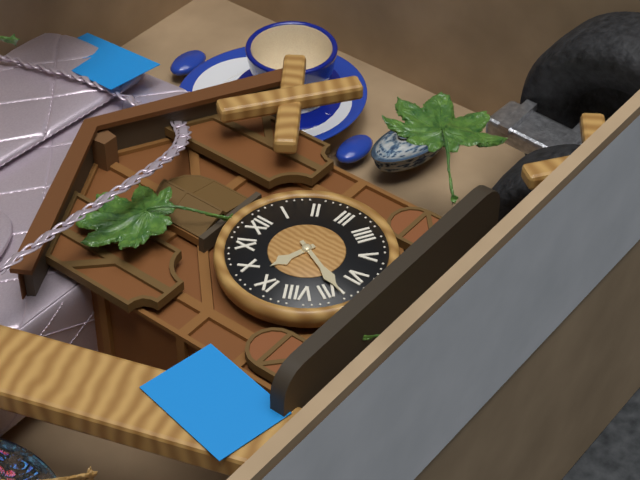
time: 9:34
